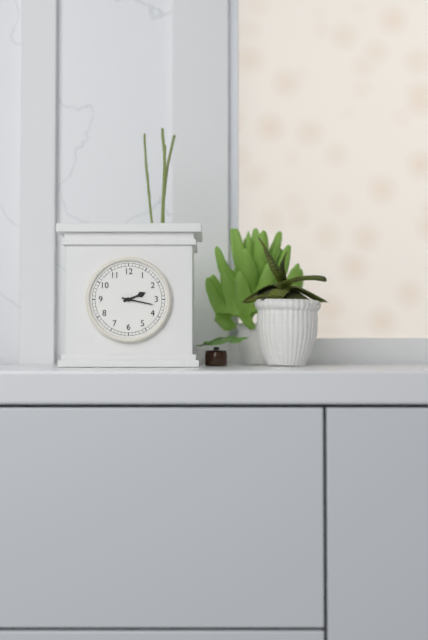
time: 2:17
